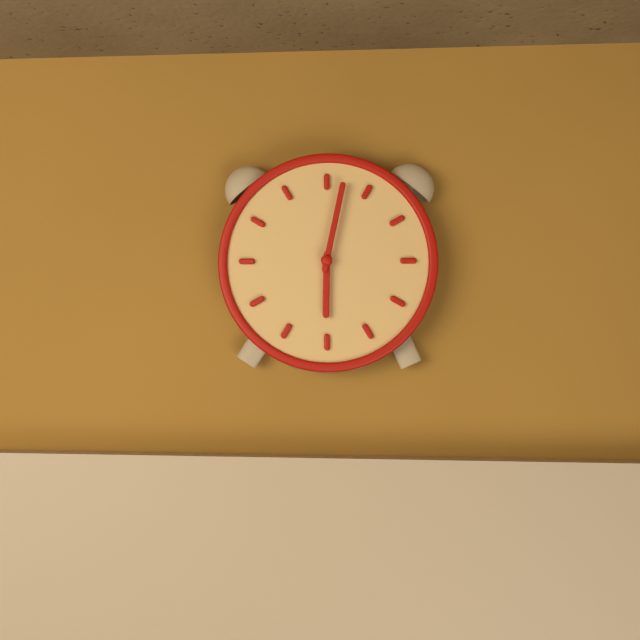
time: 6:02
